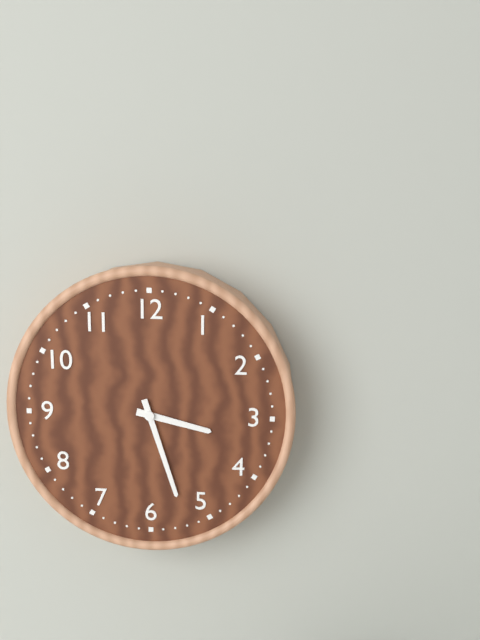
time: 3:27
